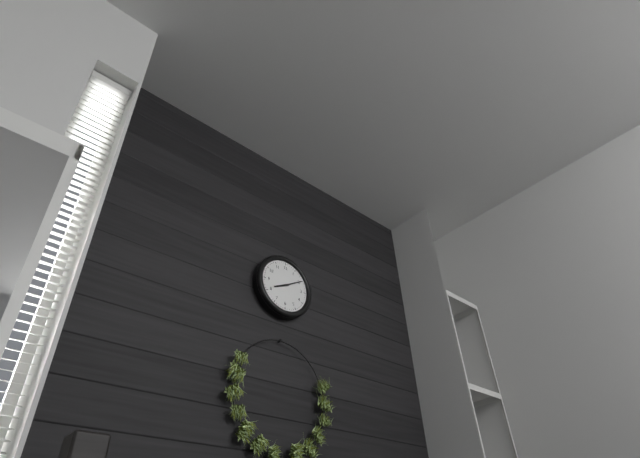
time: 8:10
